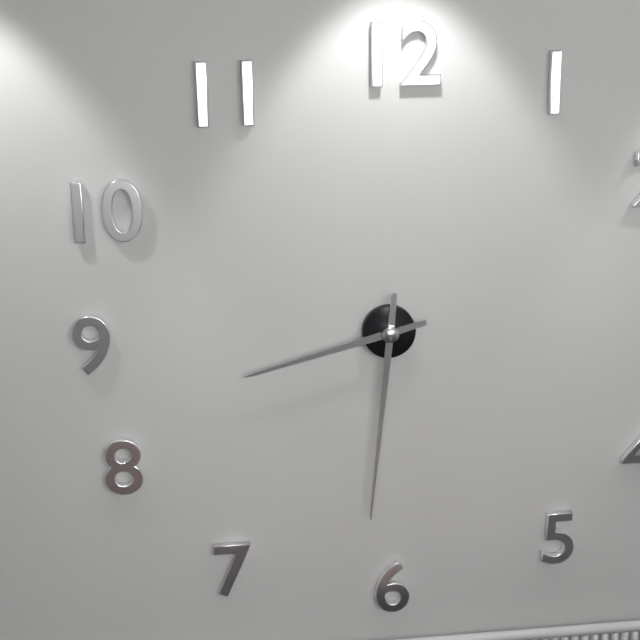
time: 8:31
